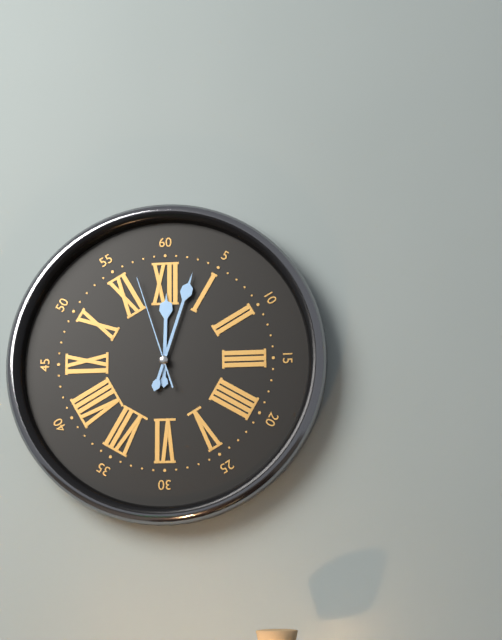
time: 12:03:57
